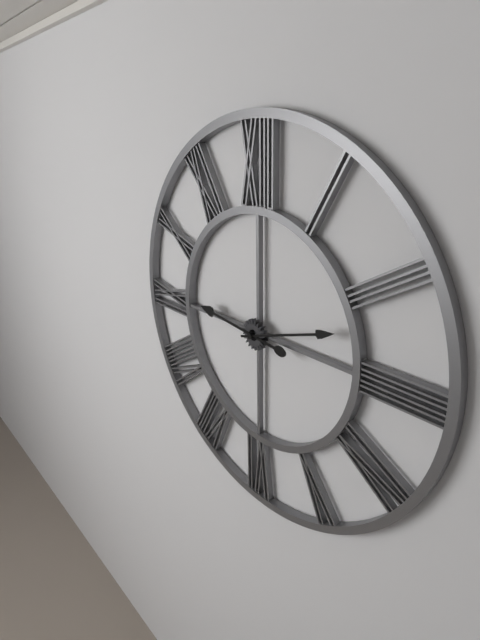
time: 9:12
